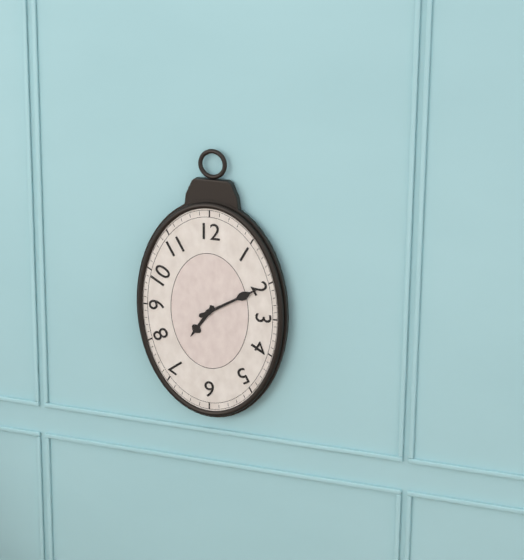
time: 7:10
